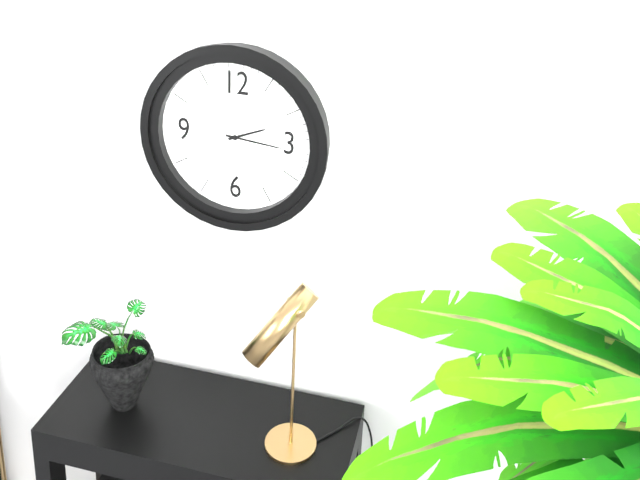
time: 2:16
